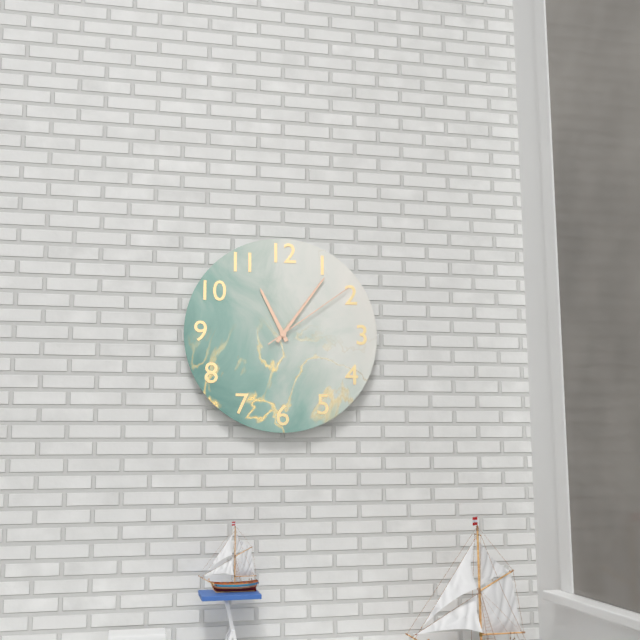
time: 11:06:09
